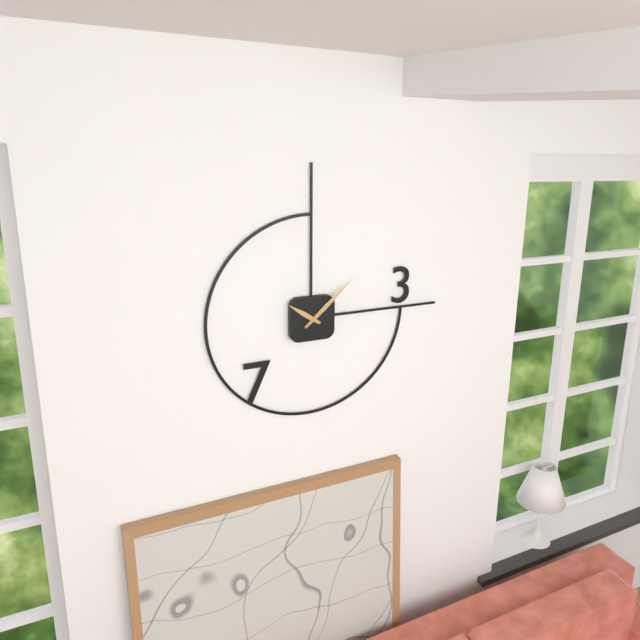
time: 10:08
